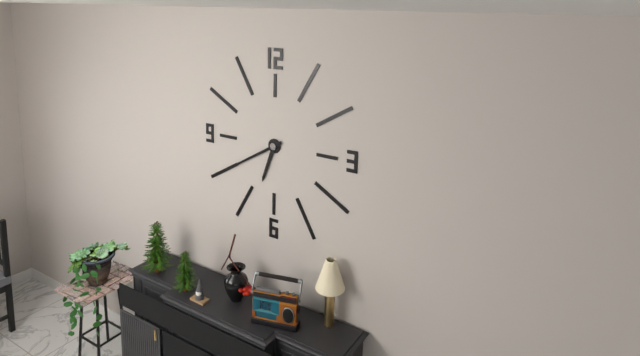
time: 6:40
